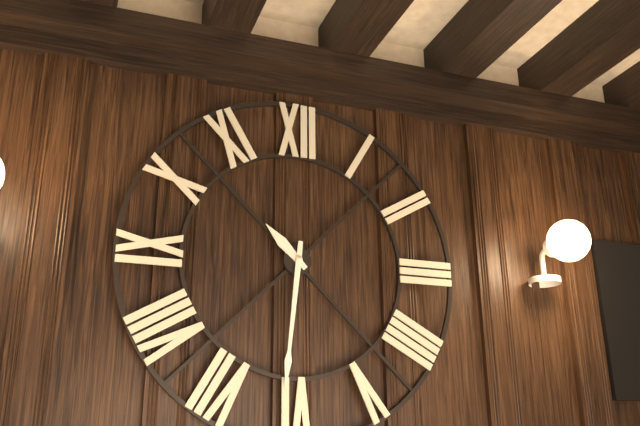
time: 10:31
